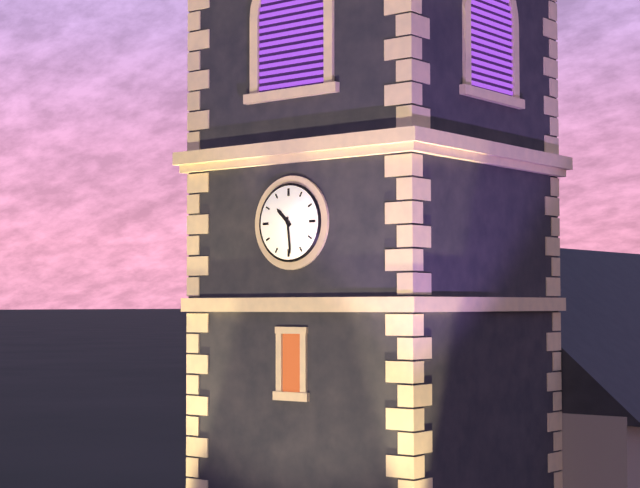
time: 10:29
